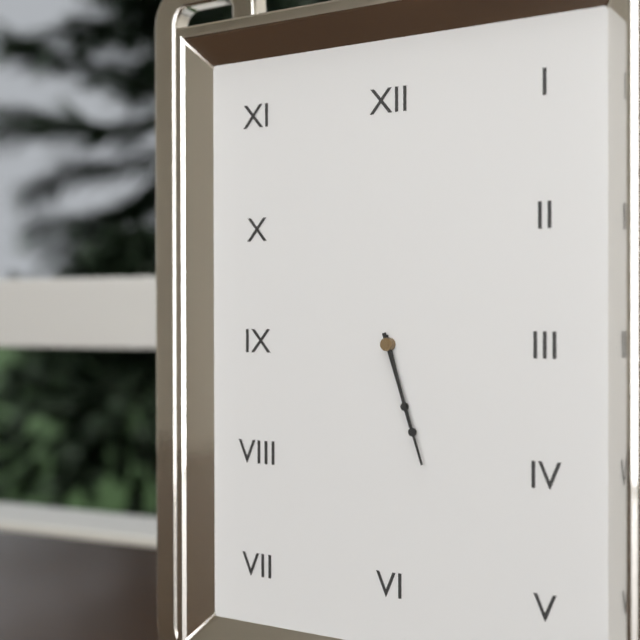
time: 5:27
